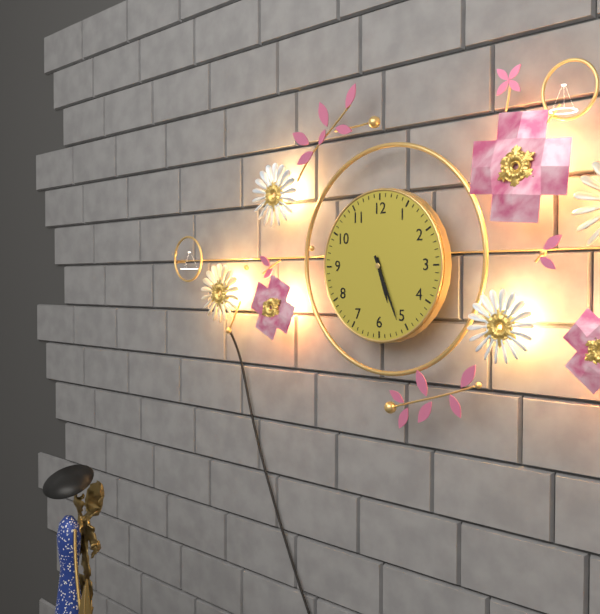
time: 5:26
